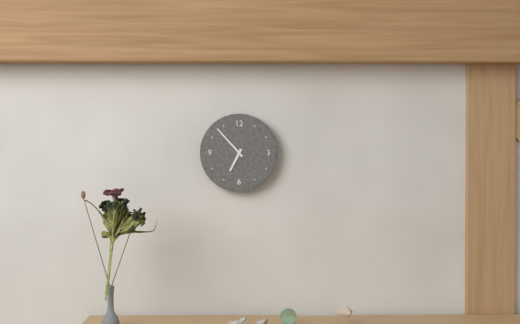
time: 6:53
